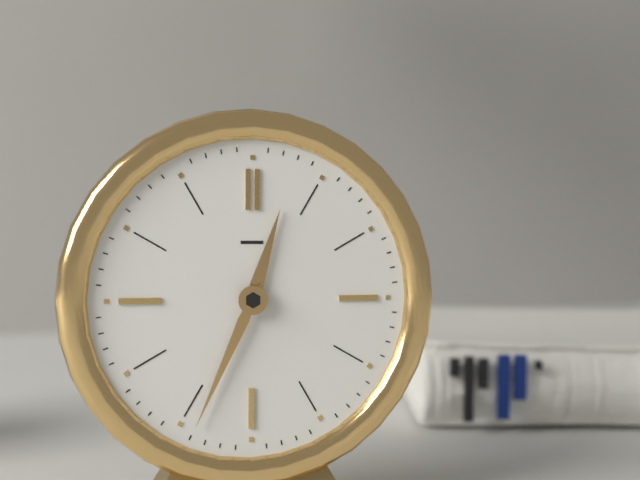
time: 12:34
